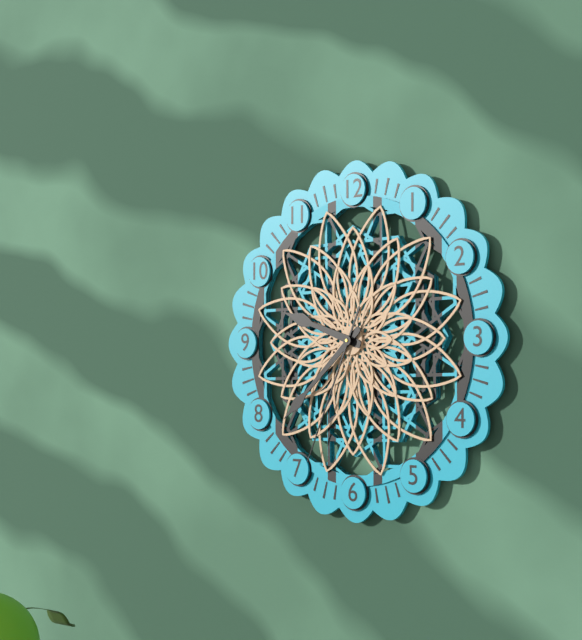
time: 9:38:34
